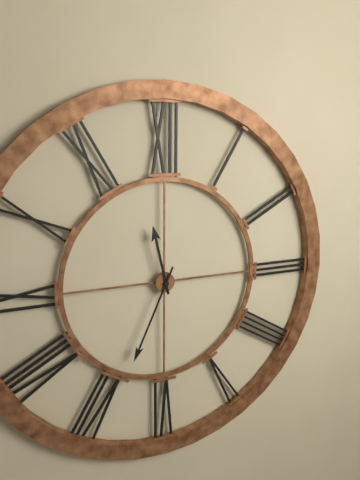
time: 11:34
